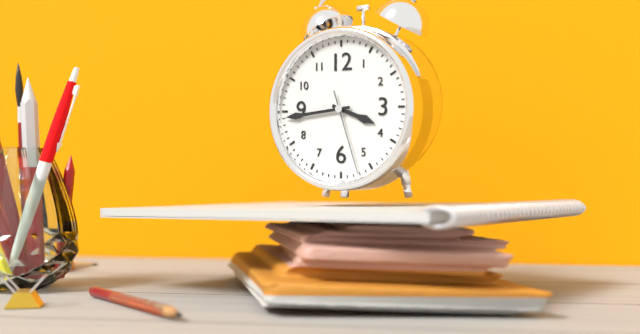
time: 3:44:27
